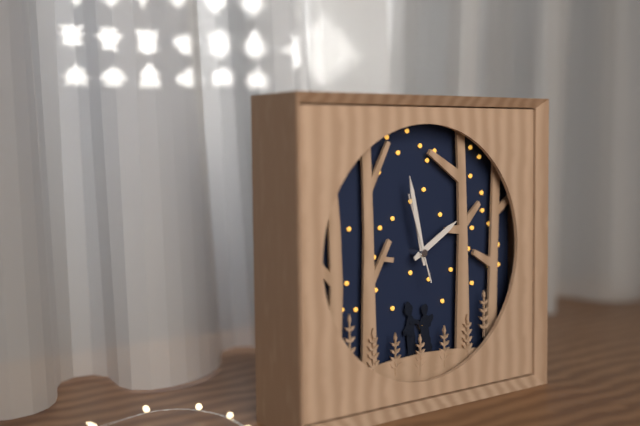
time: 1:58:57
